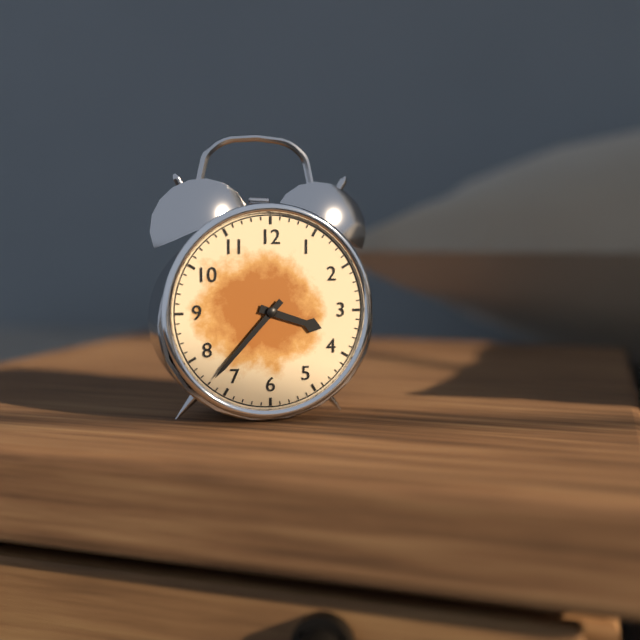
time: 3:37
